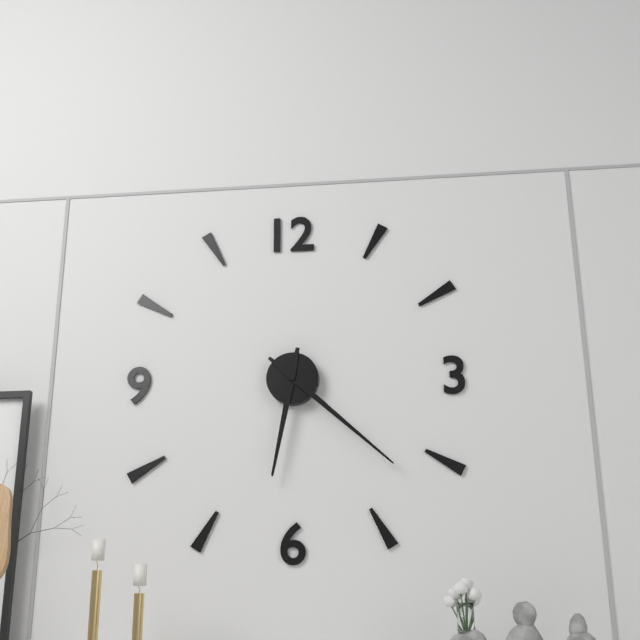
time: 6:22
